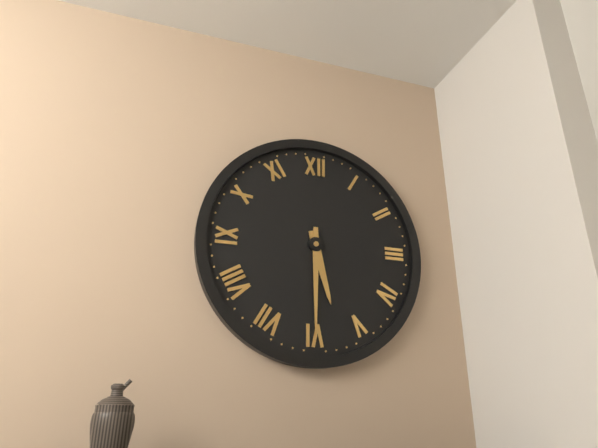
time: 5:30
